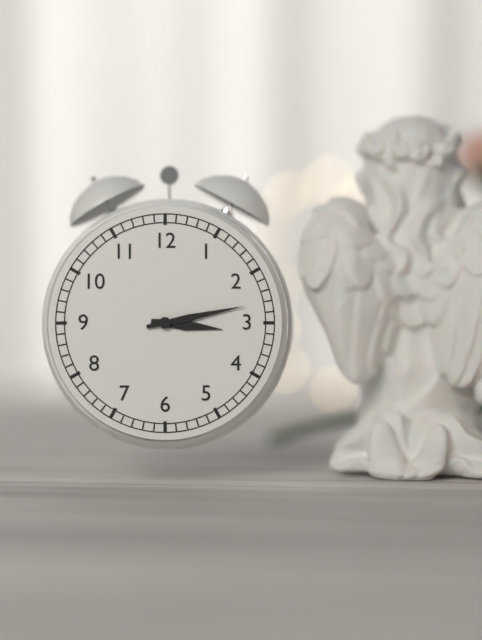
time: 3:13
